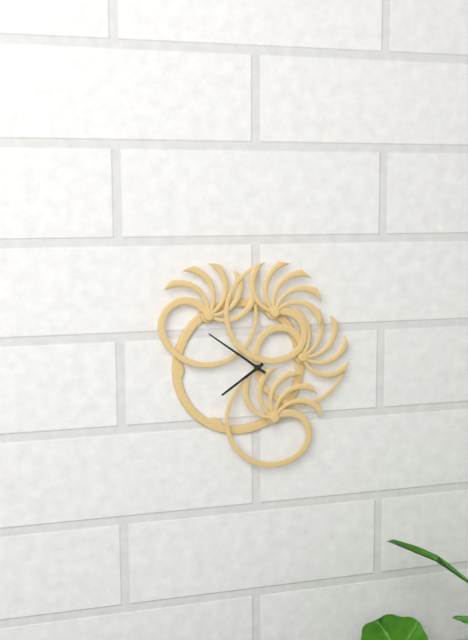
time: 7:51
